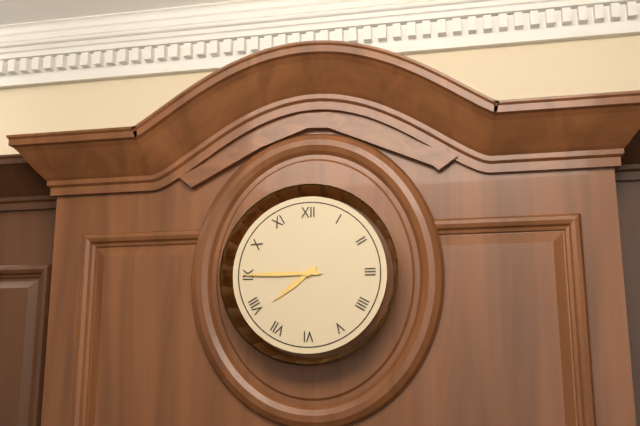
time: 7:45
